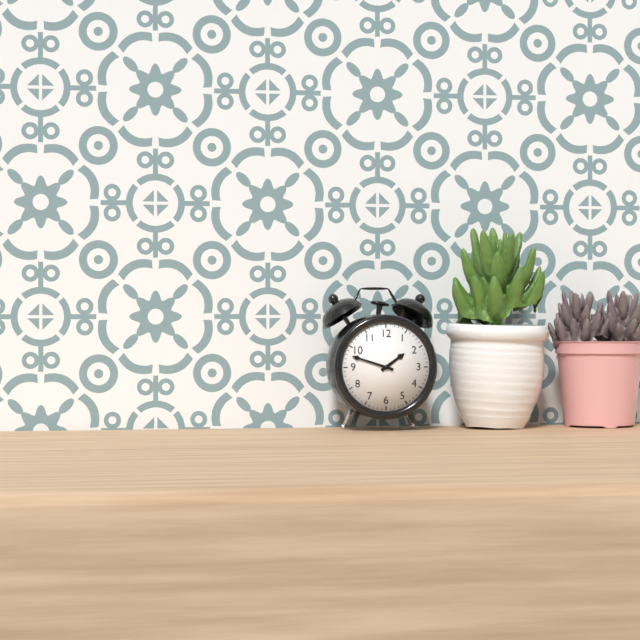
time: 1:48
